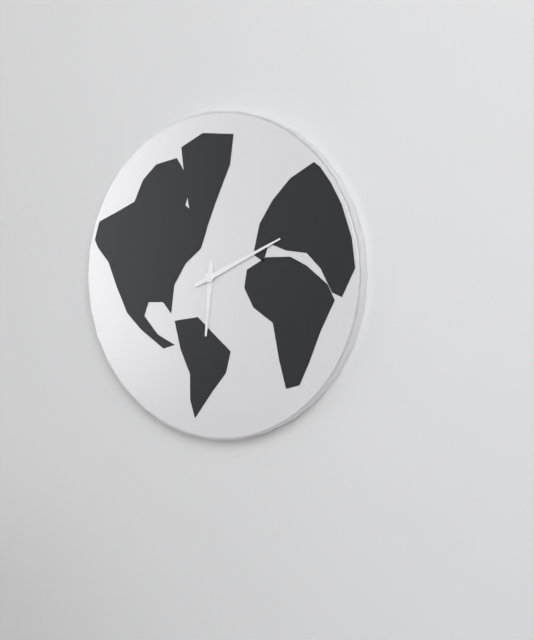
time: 6:11
